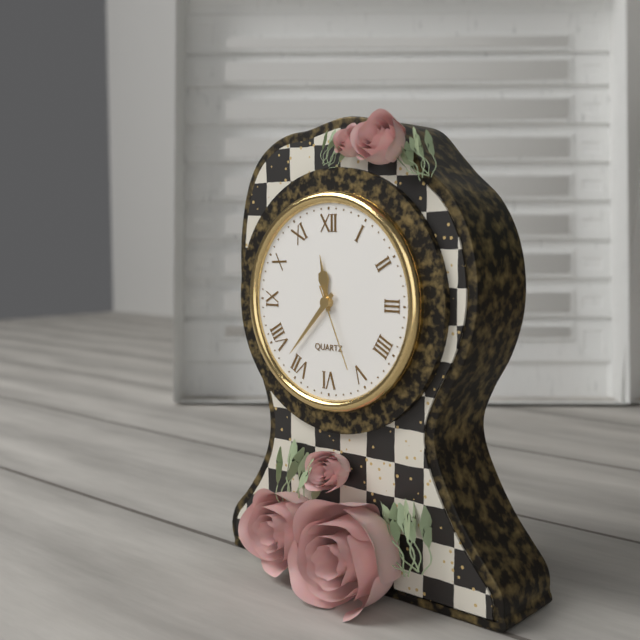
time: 11:37:26
